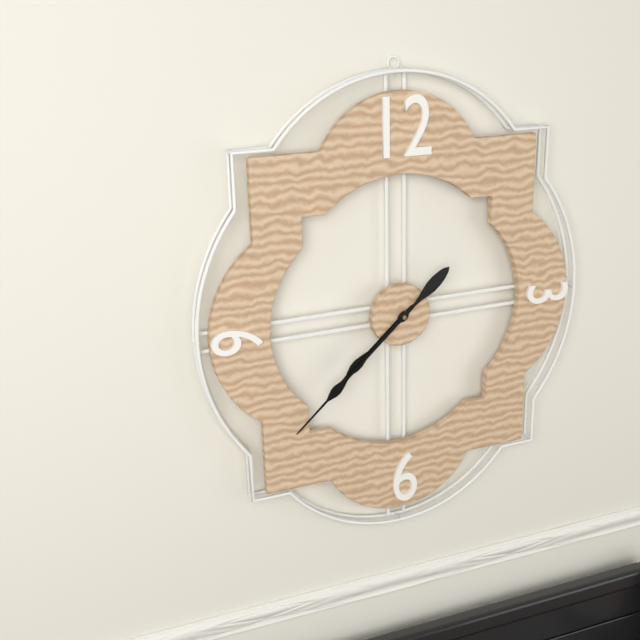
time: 7:38
